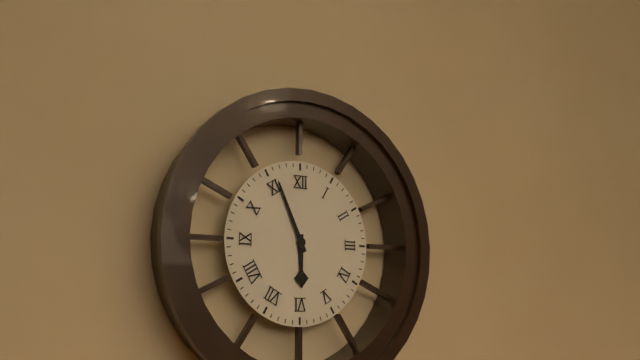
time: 5:56
